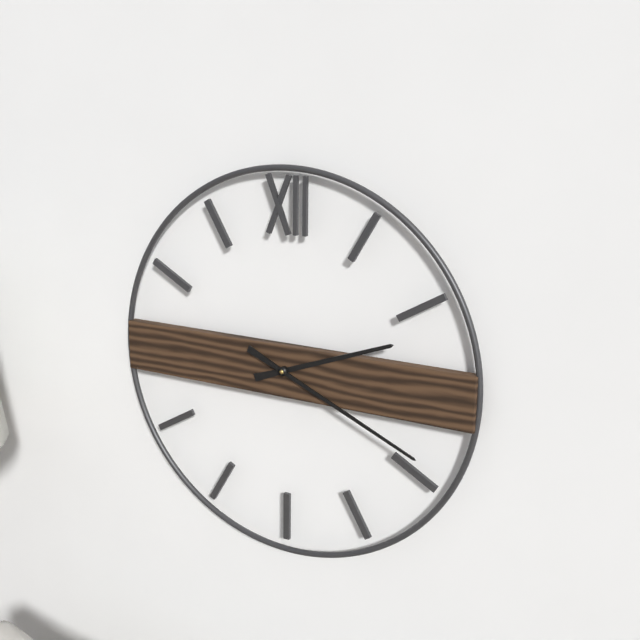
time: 2:19
